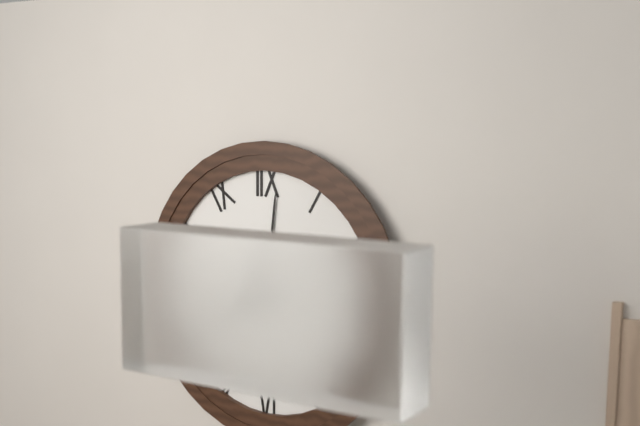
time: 8:01
